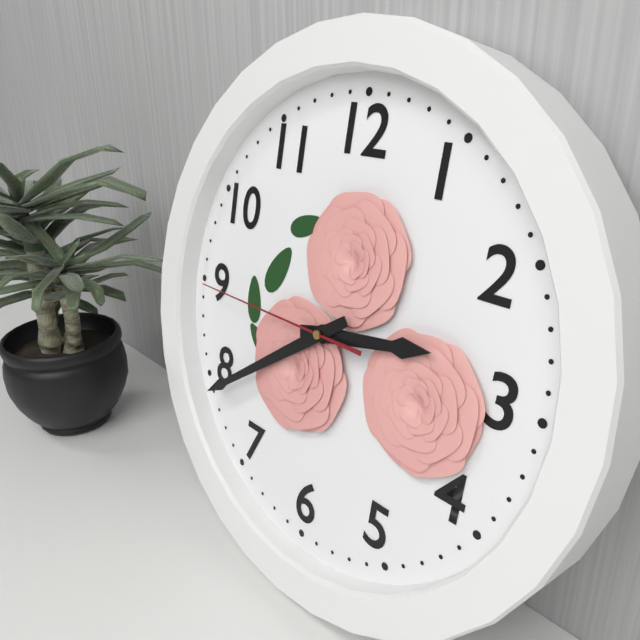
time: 2:39:45
